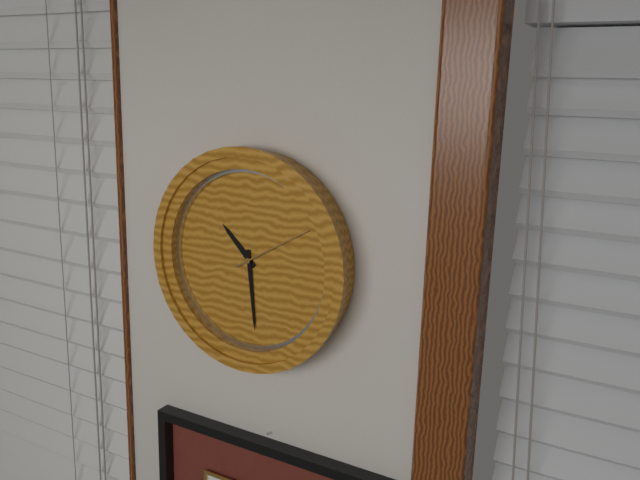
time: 10:29:10
